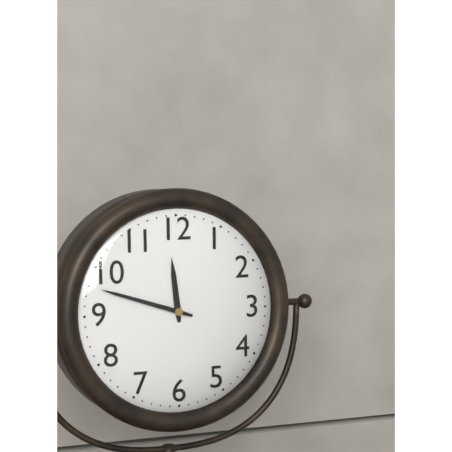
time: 11:48
